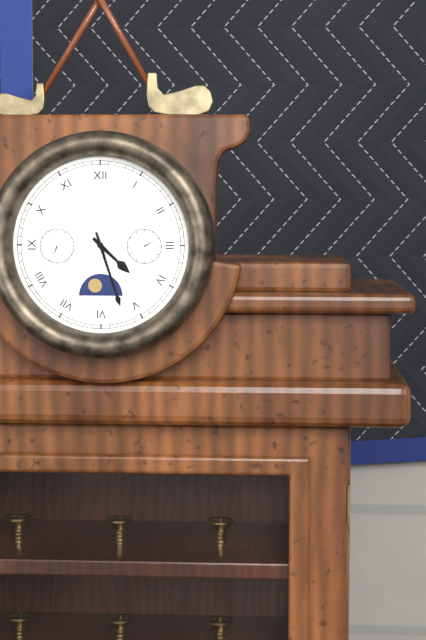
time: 4:27
